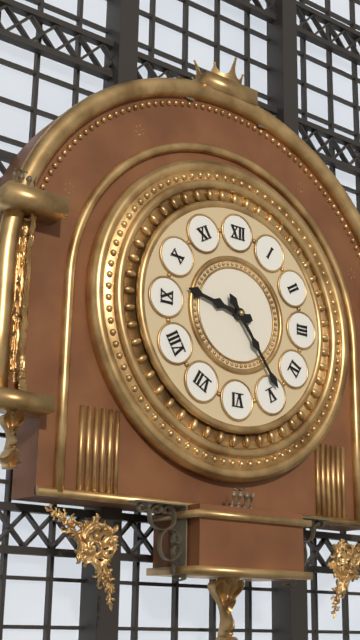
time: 9:24
